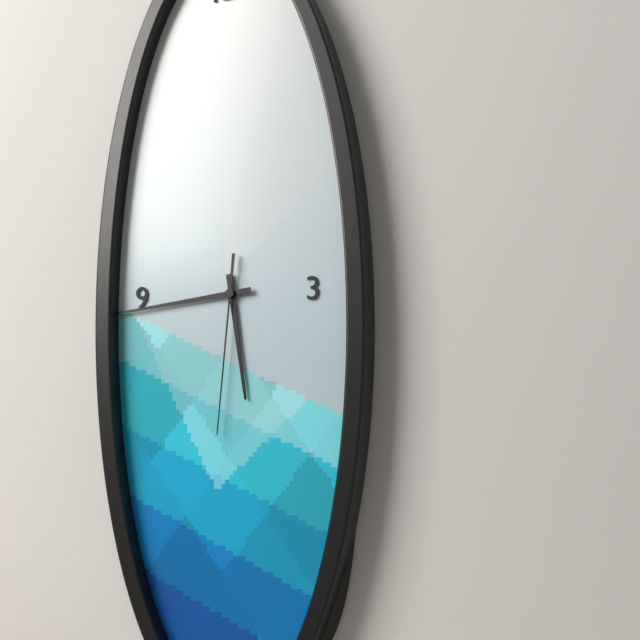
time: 5:44:31
